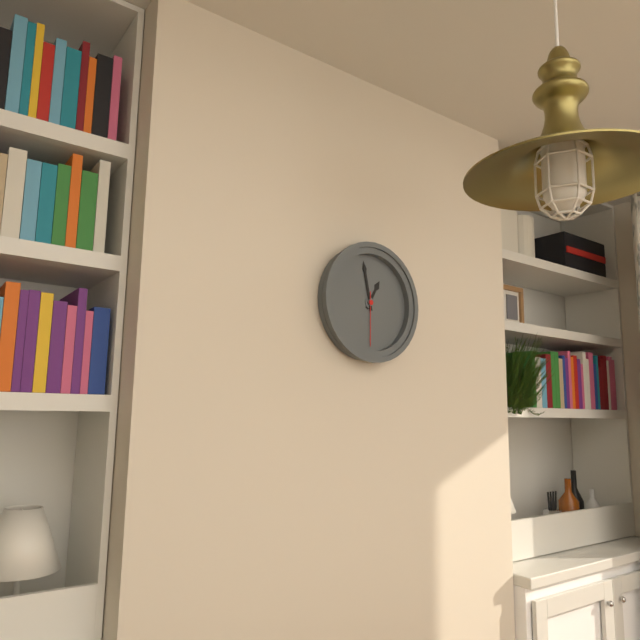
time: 12:58:30
